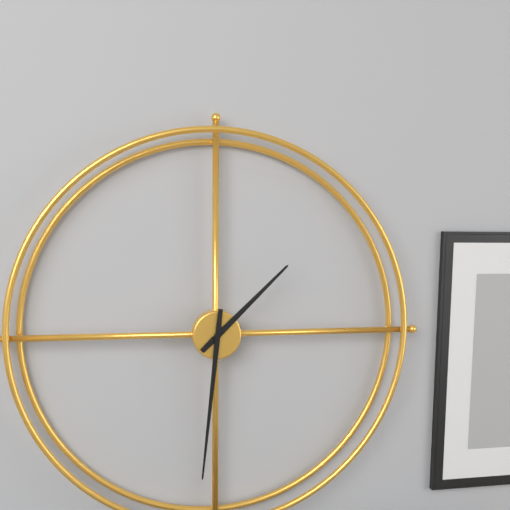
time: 1:31
